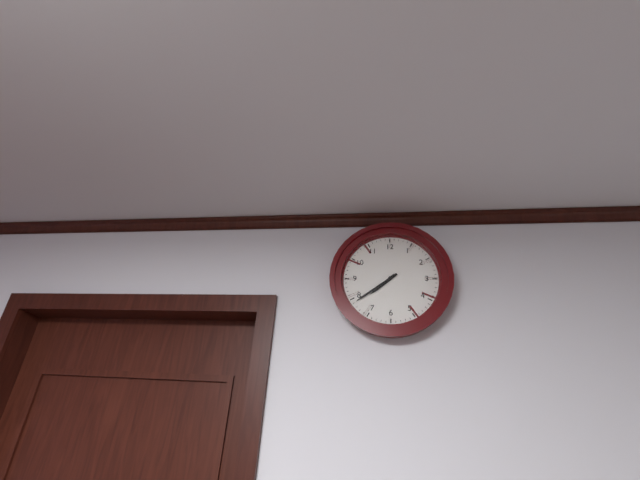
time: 7:39
